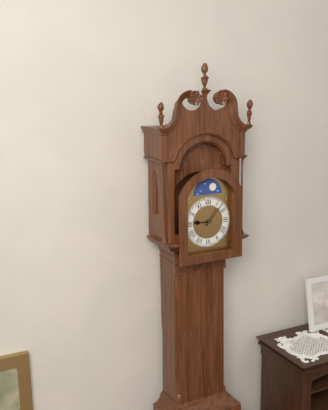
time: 9:07
